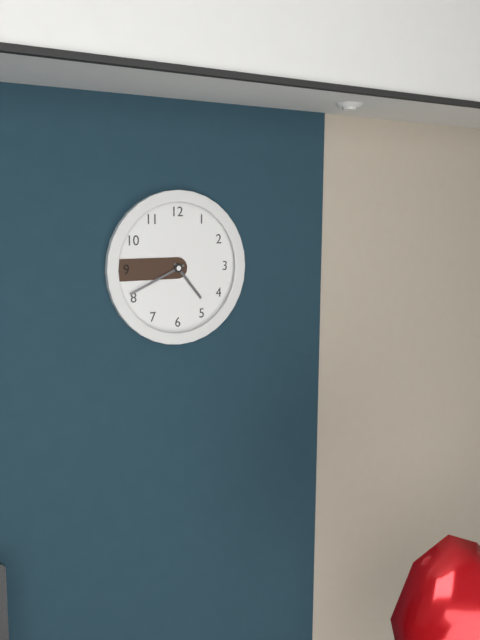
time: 4:41
